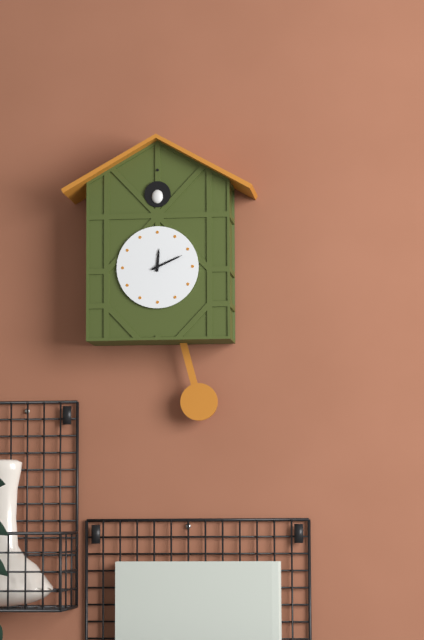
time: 12:11
